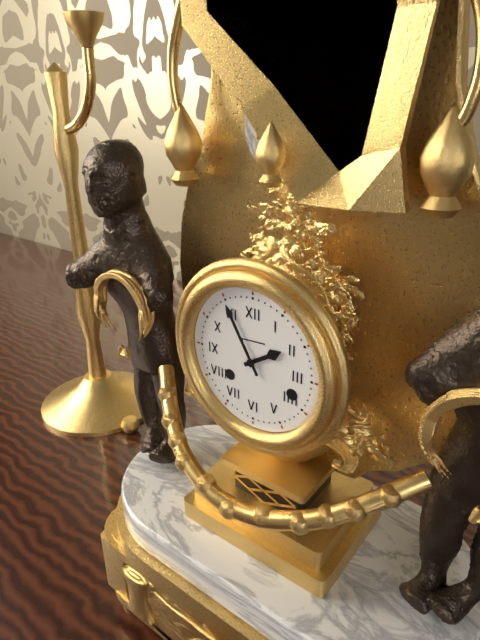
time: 1:55
